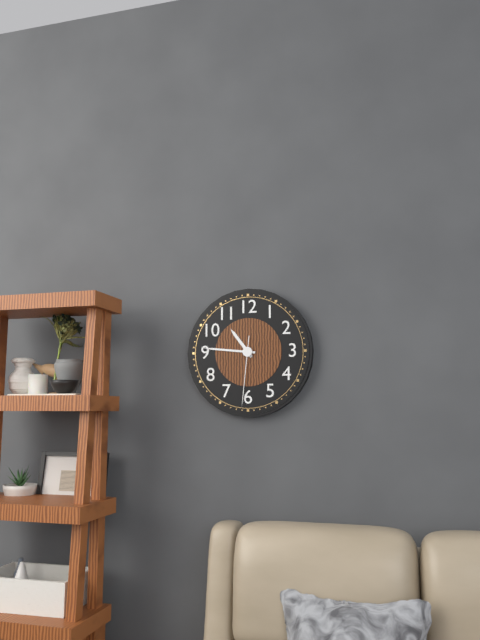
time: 10:46:31
